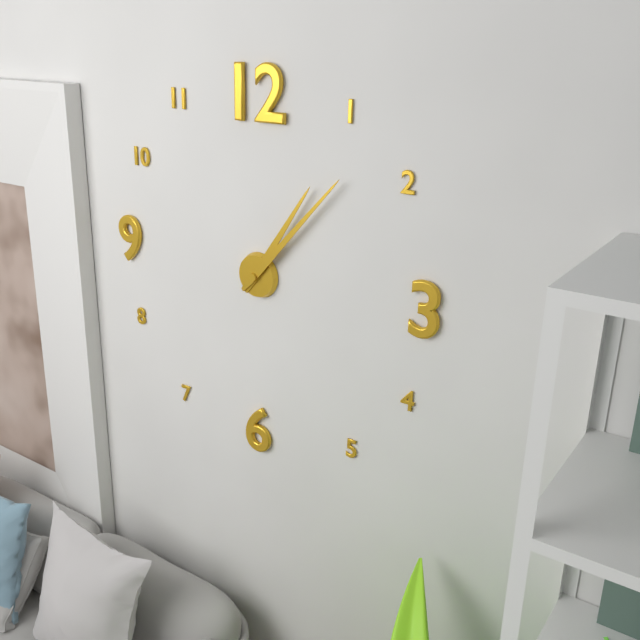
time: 1:07
